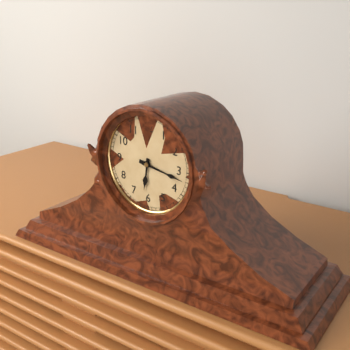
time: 6:17
